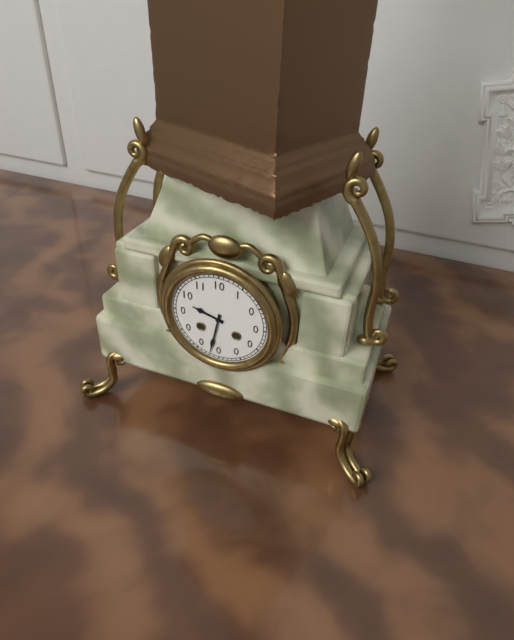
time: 9:32
